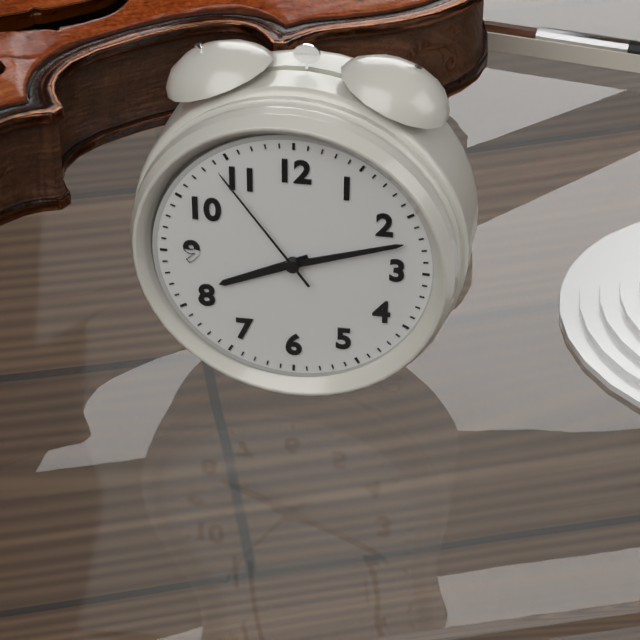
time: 8:12:54
